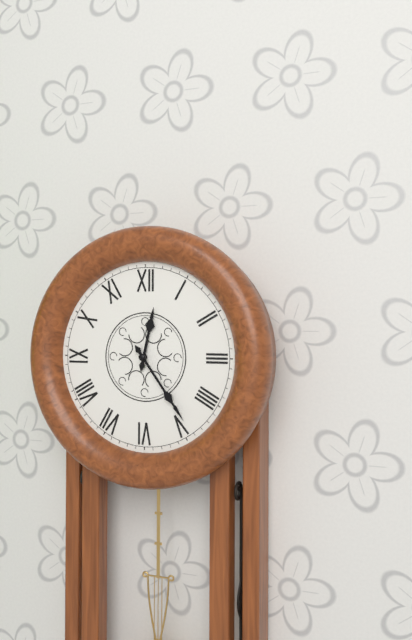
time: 12:24
